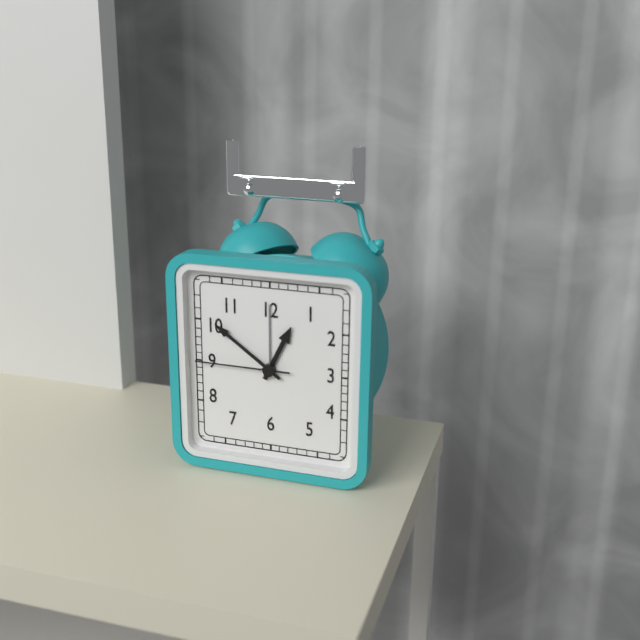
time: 12:51:45
